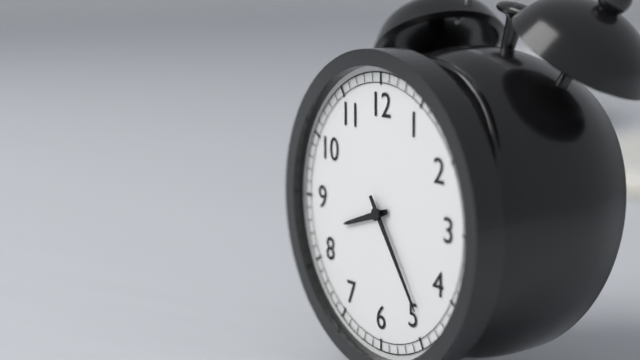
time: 8:24
